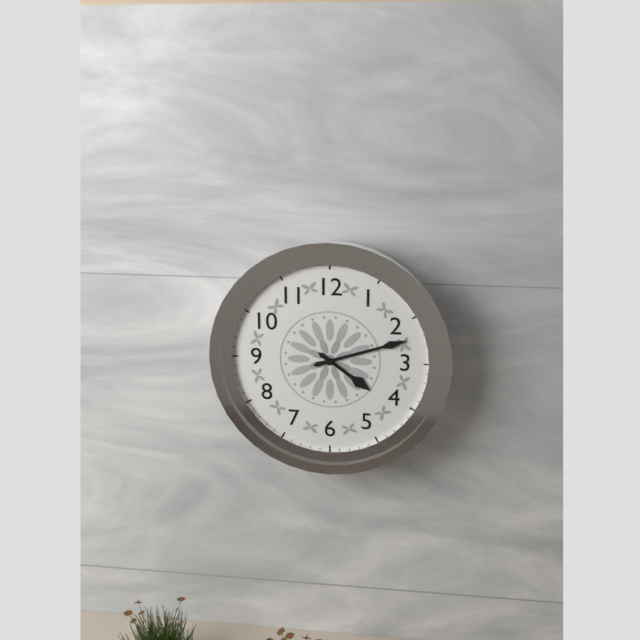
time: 4:12
